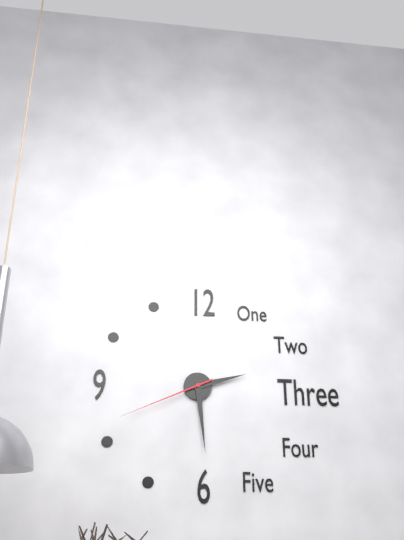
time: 2:29:41
